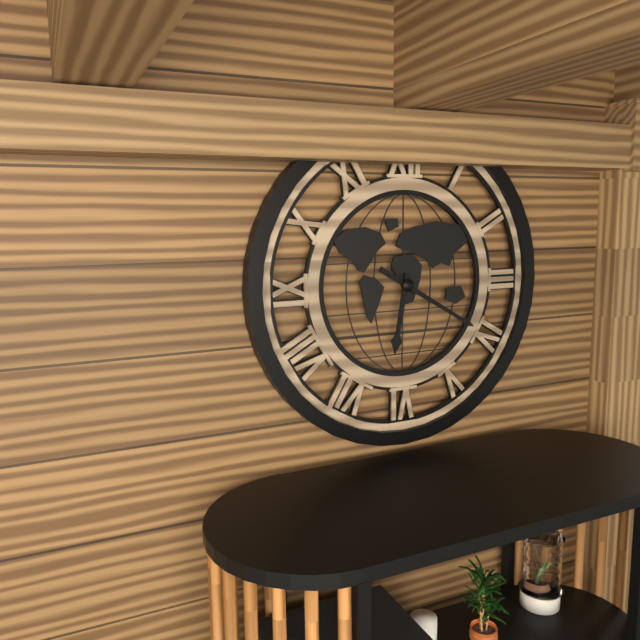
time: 6:20
